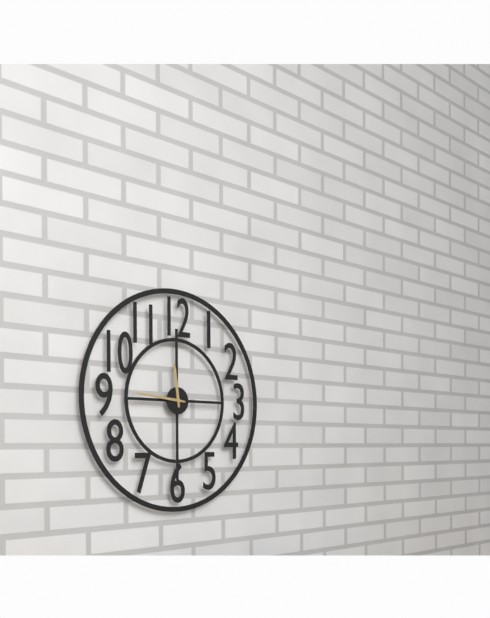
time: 11:46
